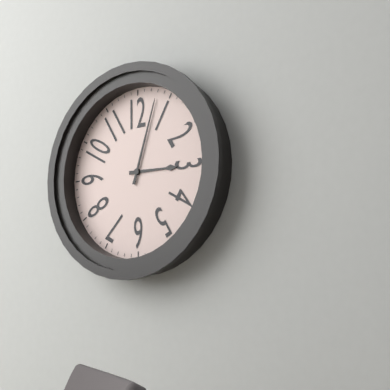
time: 3:03
